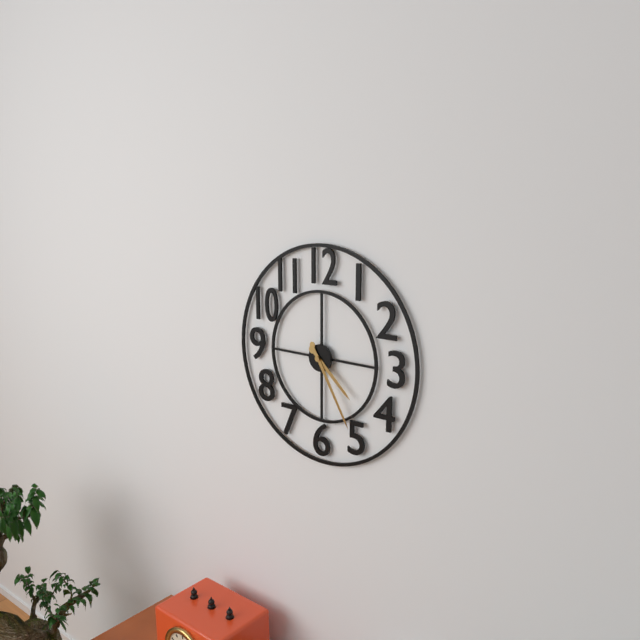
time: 4:25
